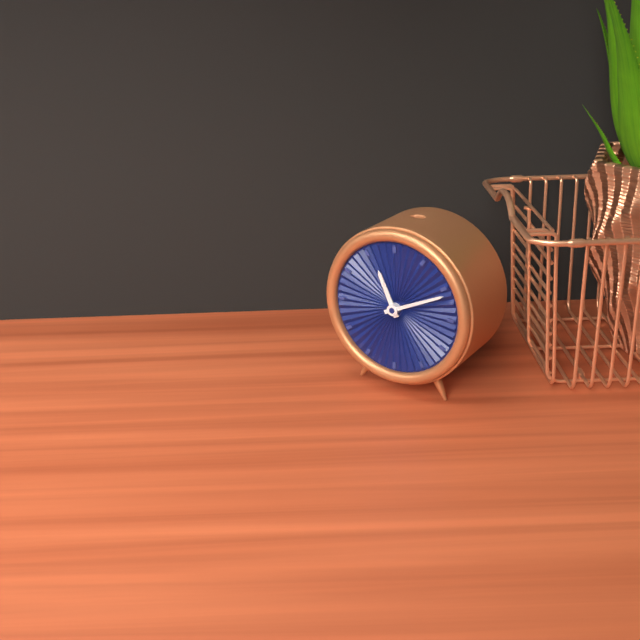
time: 11:11
